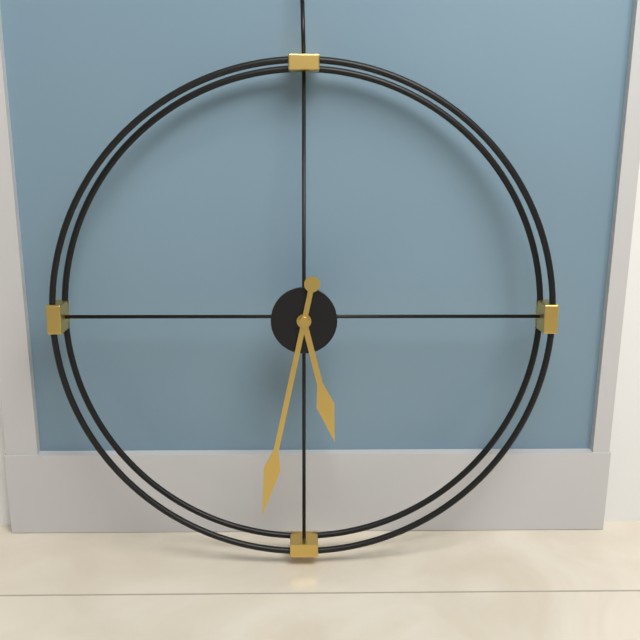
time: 5:32
